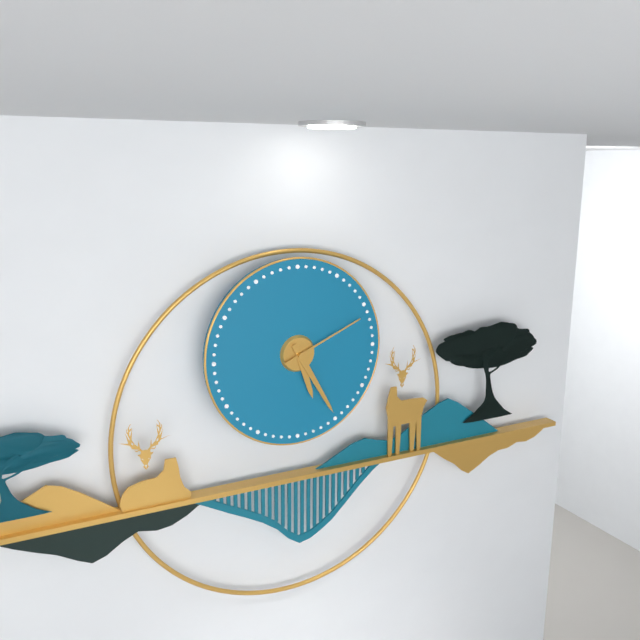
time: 5:25:11
